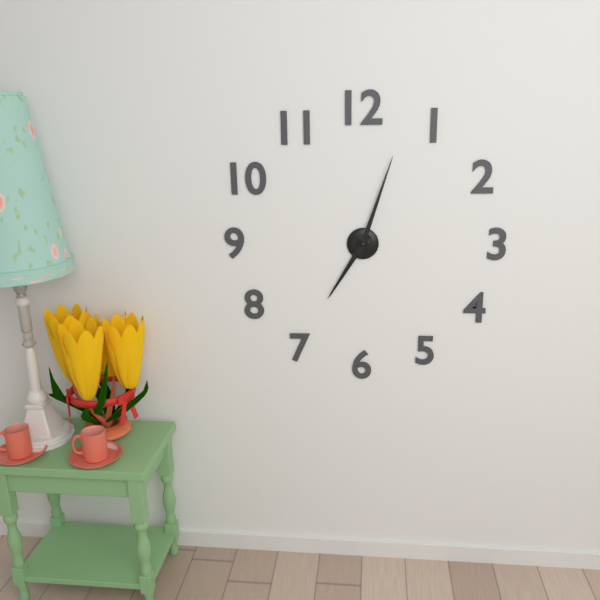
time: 7:03
